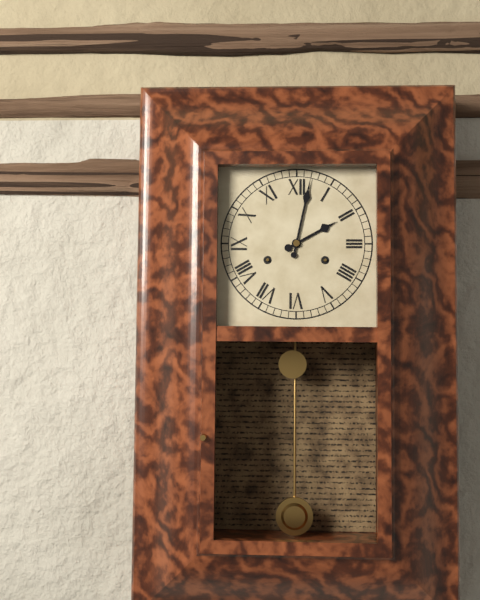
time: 2:02
